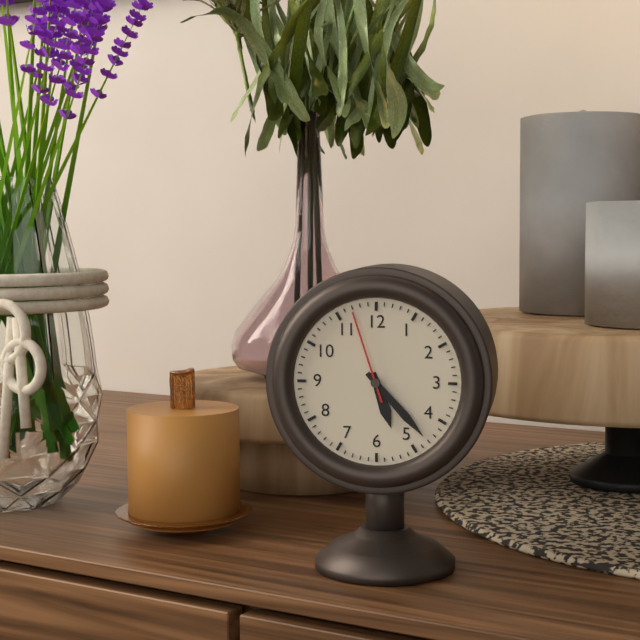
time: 5:23:57
